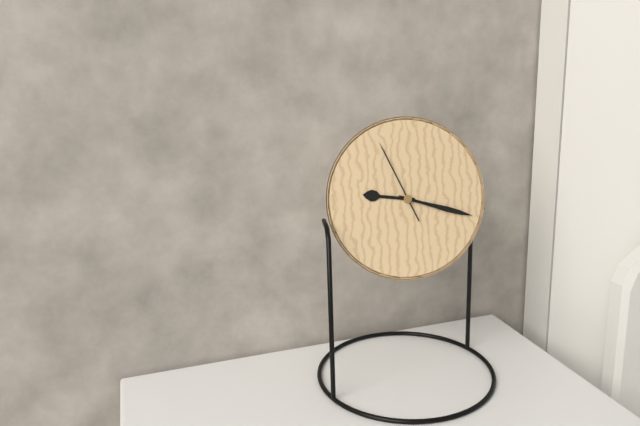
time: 9:18:56
